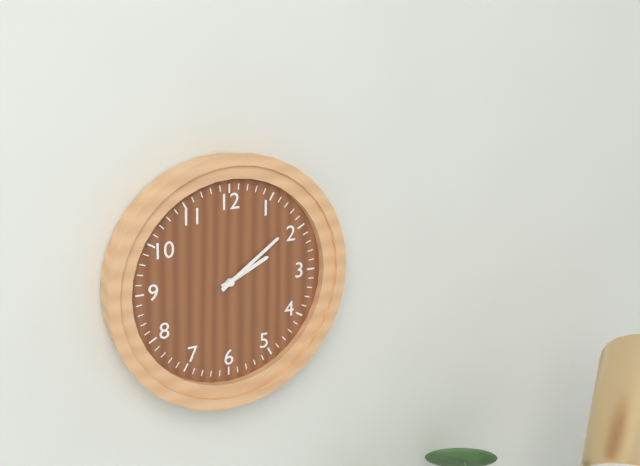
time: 2:09
